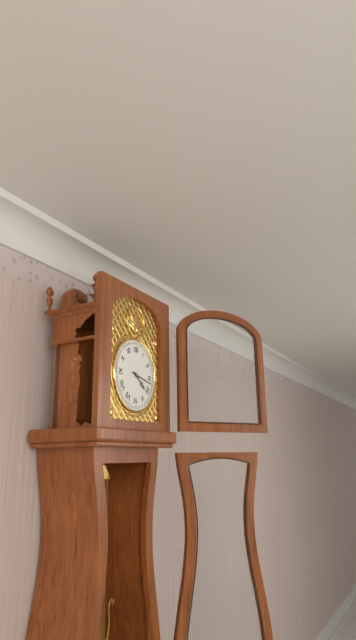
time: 4:17
